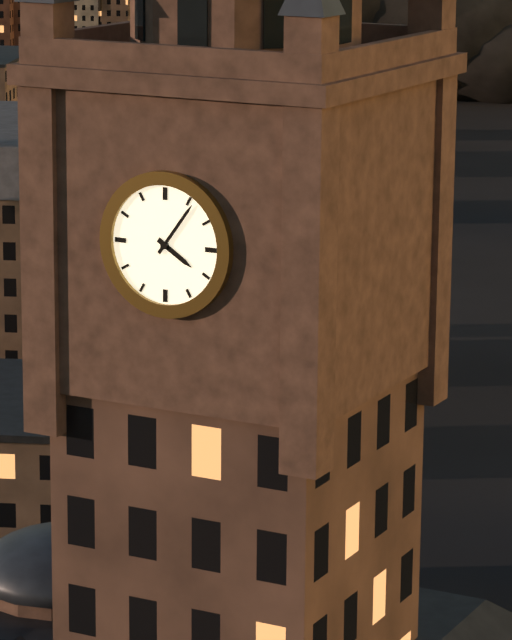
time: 4:06
